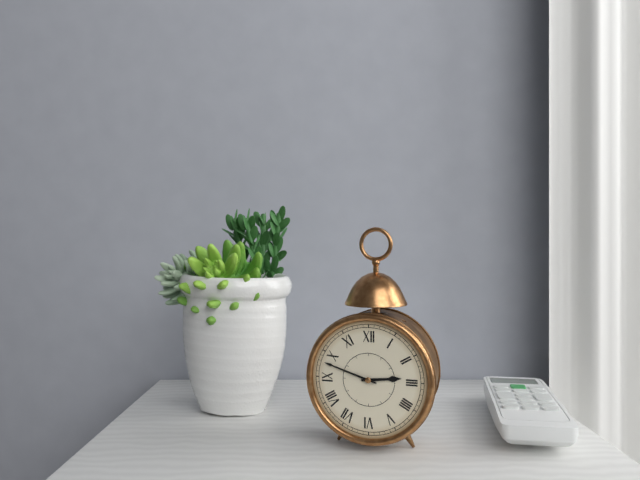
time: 2:48
